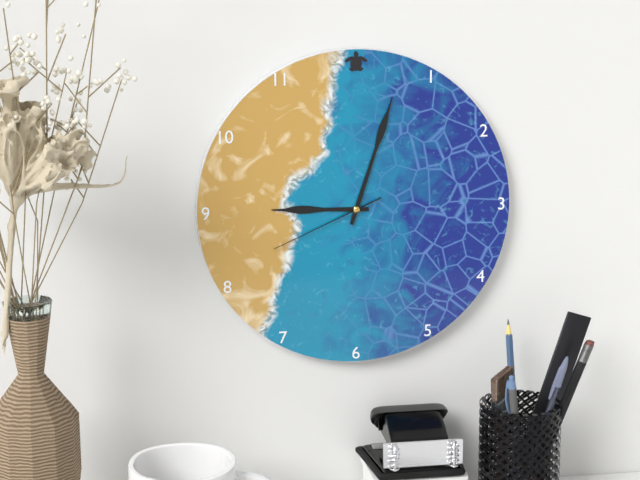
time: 9:03:41
